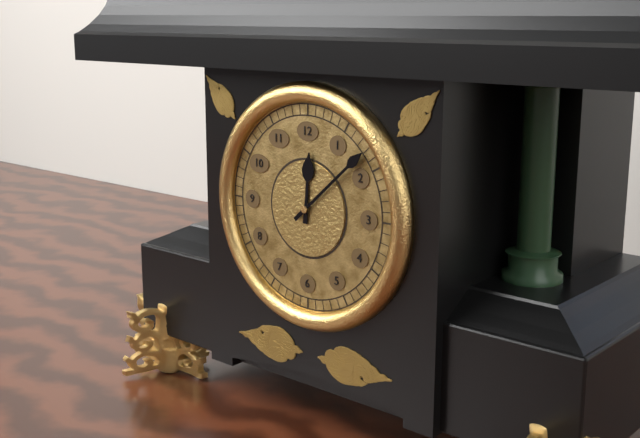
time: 12:08
